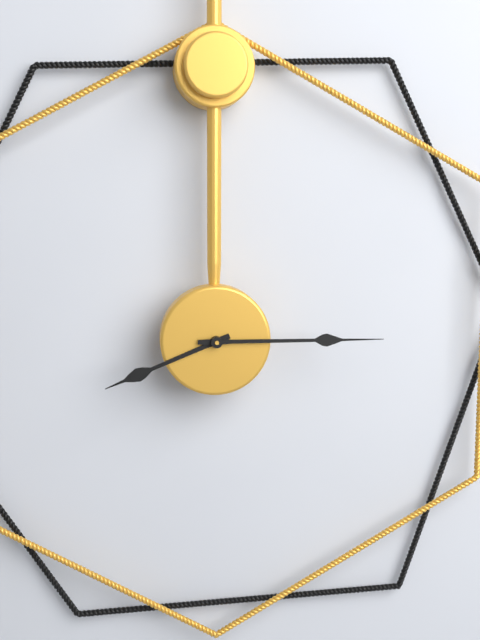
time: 8:15
